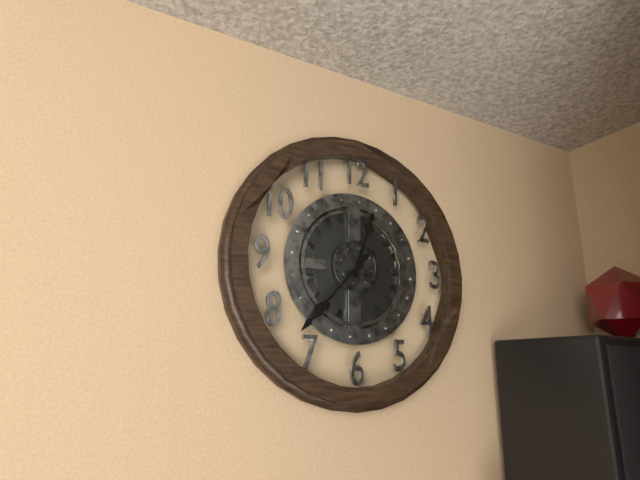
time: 12:37
